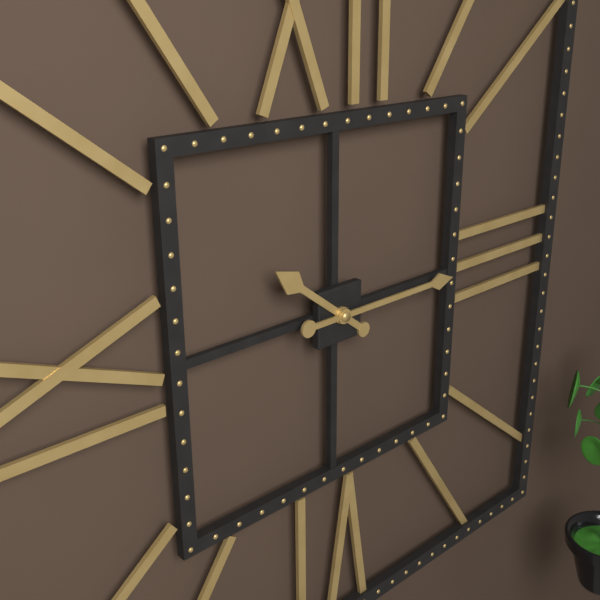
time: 10:15
